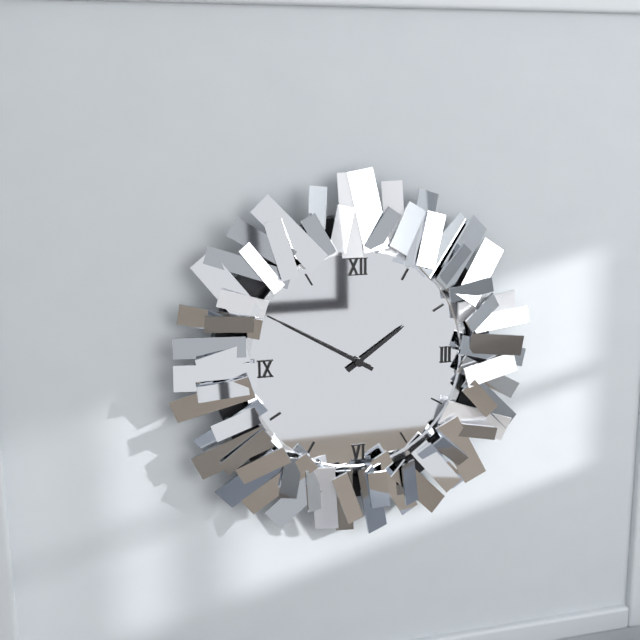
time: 1:50
